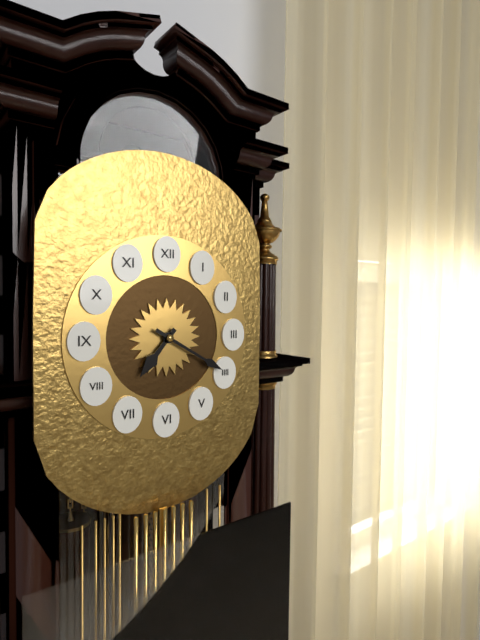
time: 7:20
